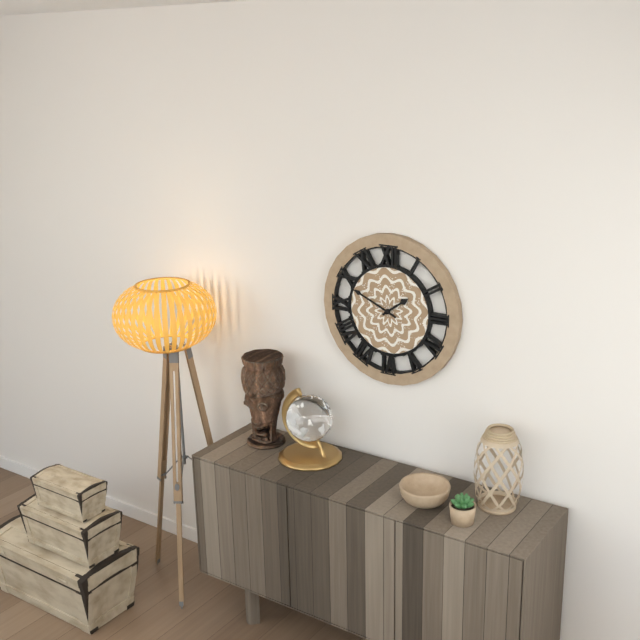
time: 1:49
